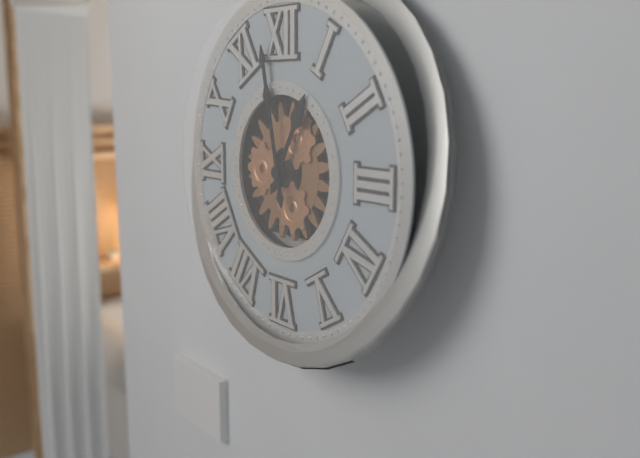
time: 12:58
